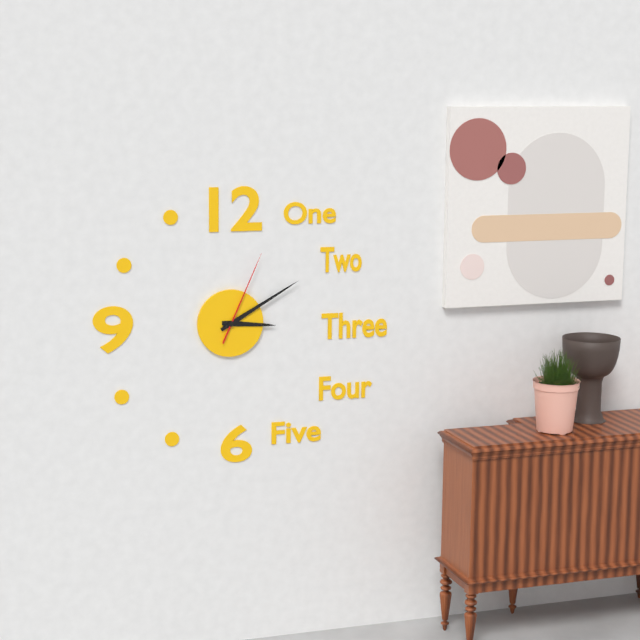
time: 3:10:04
